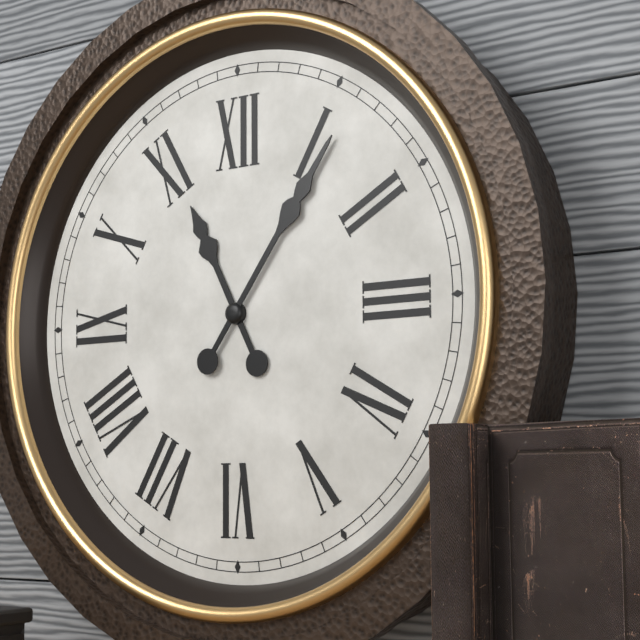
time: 11:06
